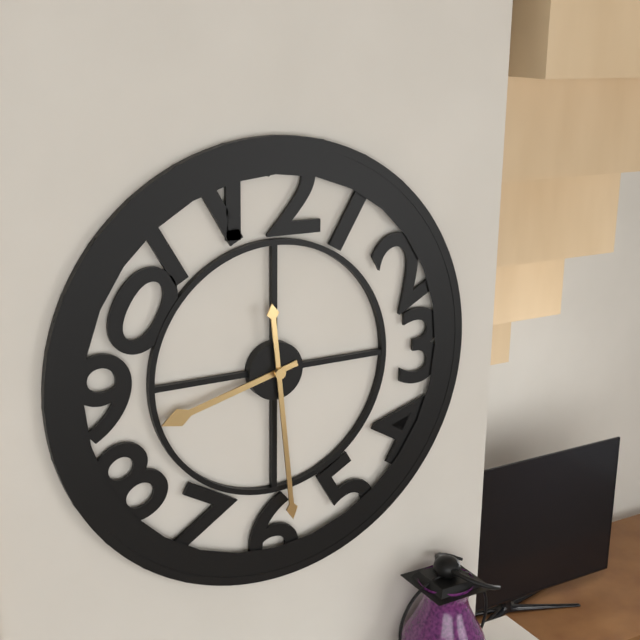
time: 8:29
